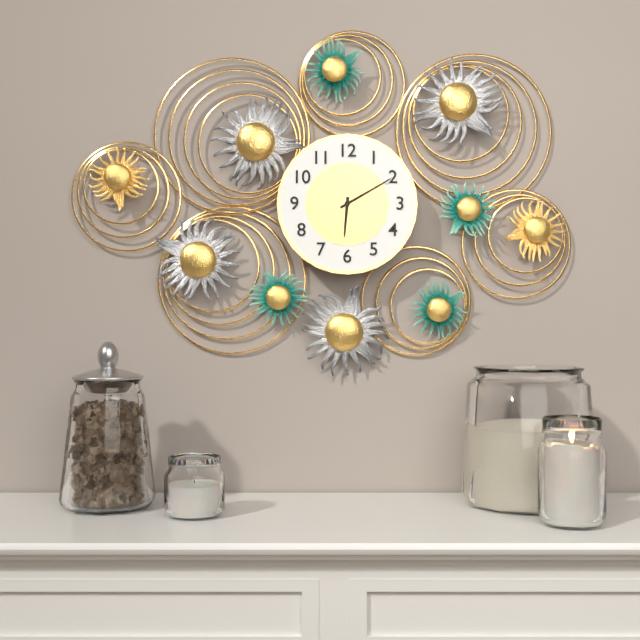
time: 6:10
